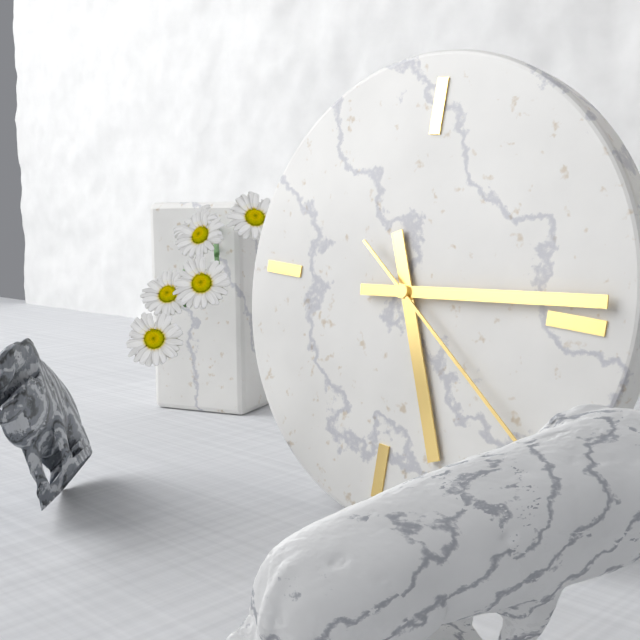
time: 5:14:21
